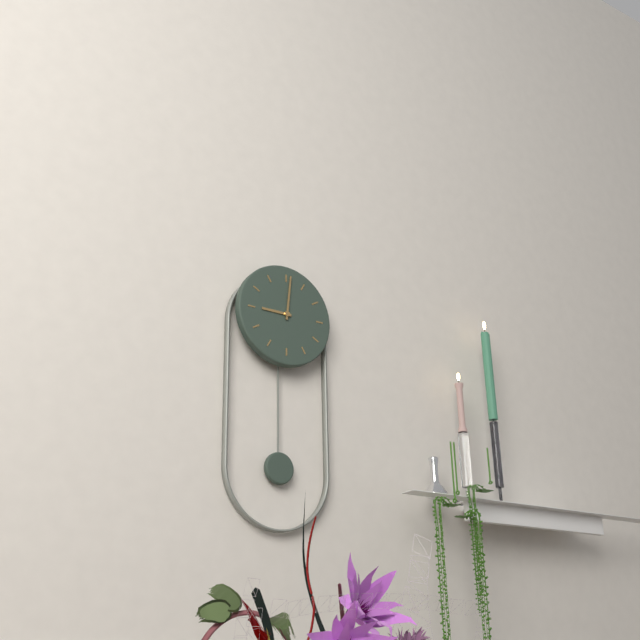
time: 9:01
